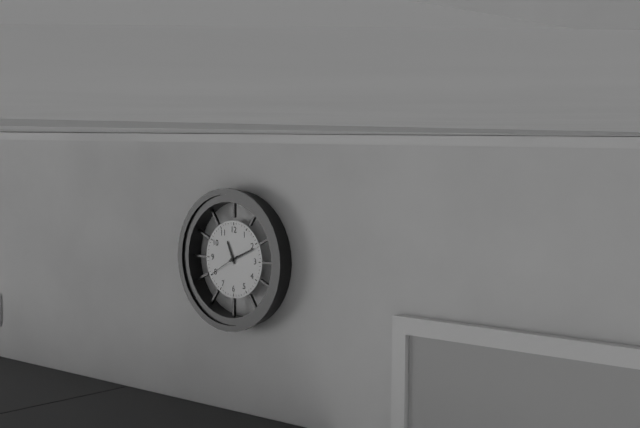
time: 11:11
